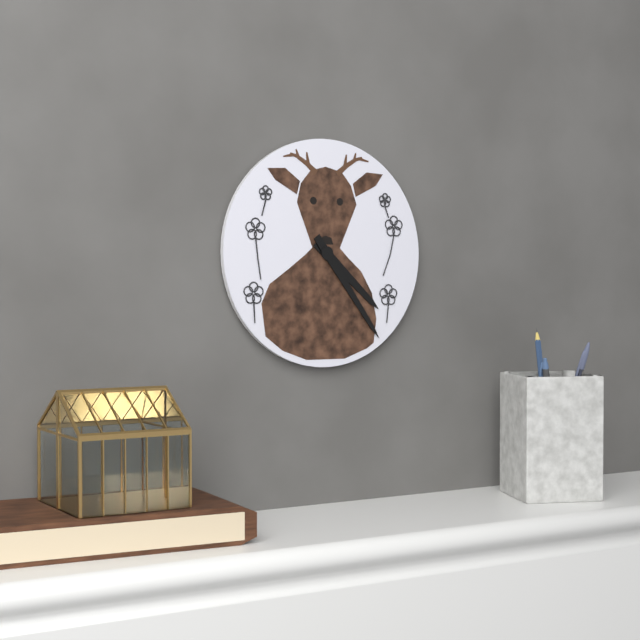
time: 4:24
